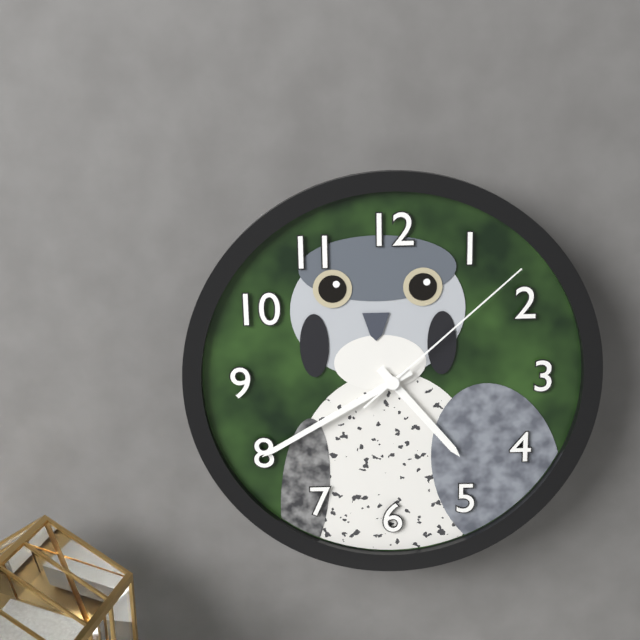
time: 4:40:08
